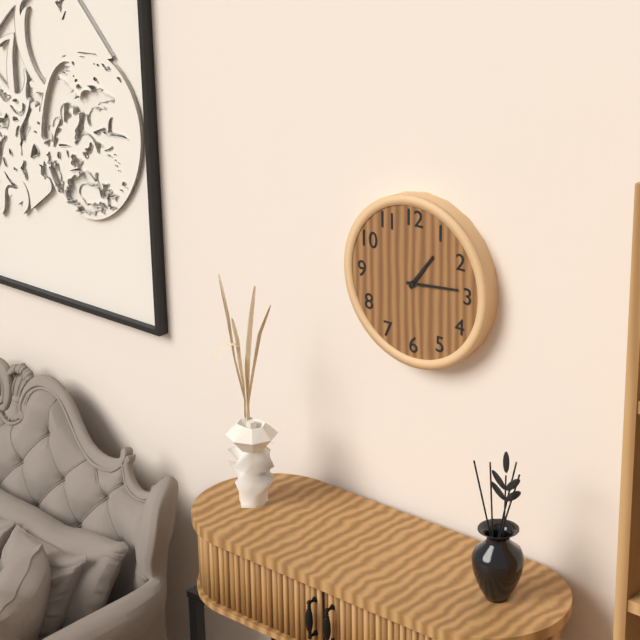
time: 1:14
